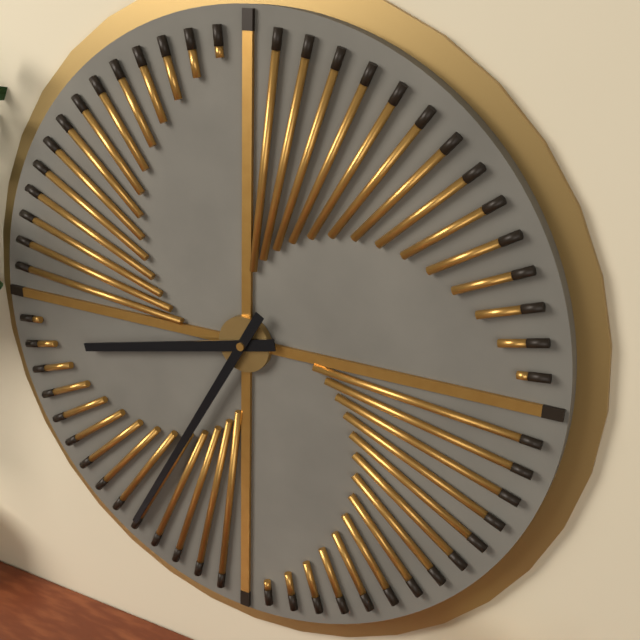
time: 8:35
